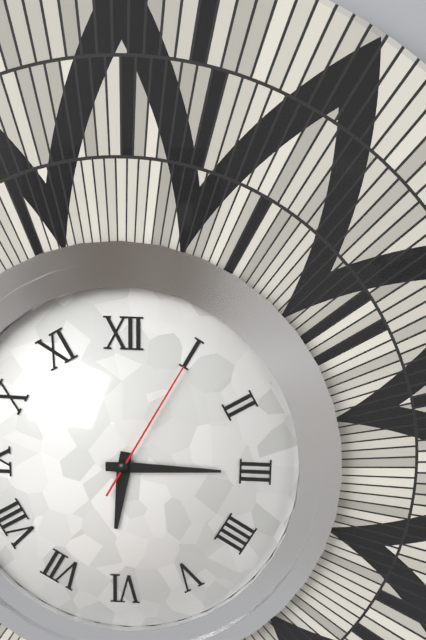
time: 6:15:05
